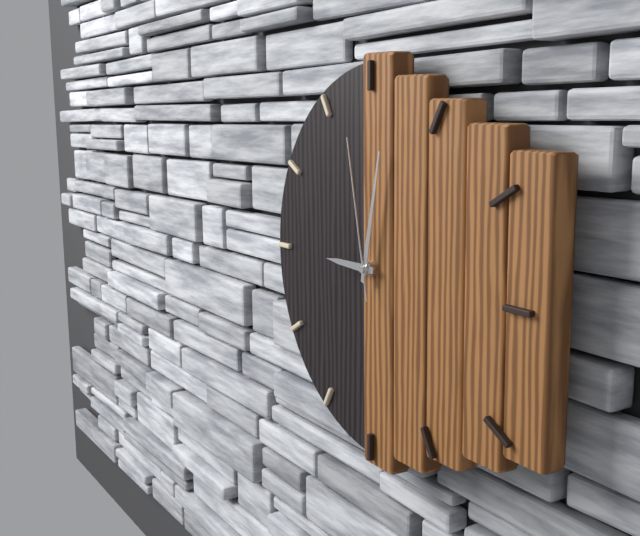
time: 9:02:58
